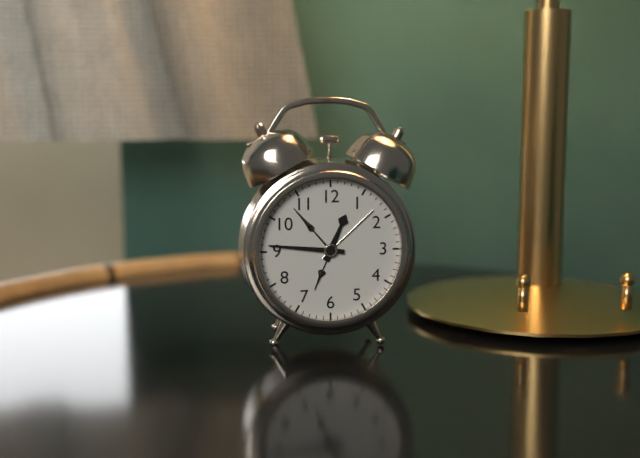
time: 12:46
